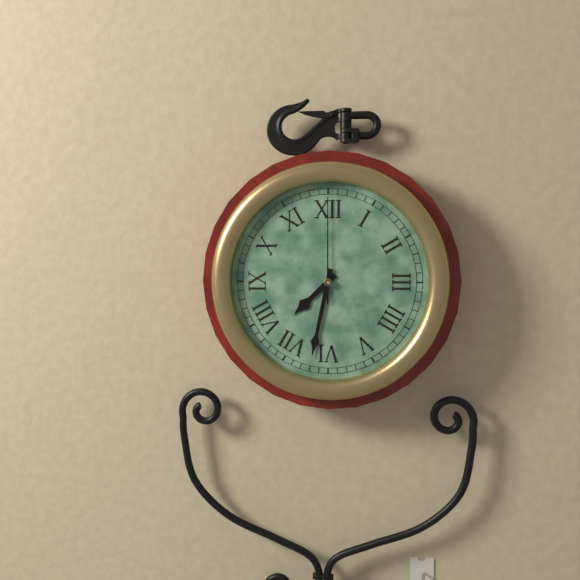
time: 7:32:00
